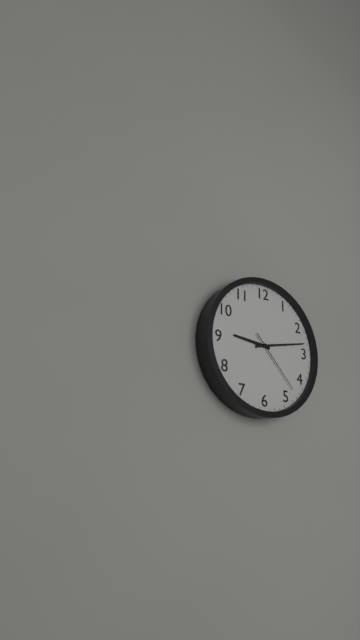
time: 9:13:23
